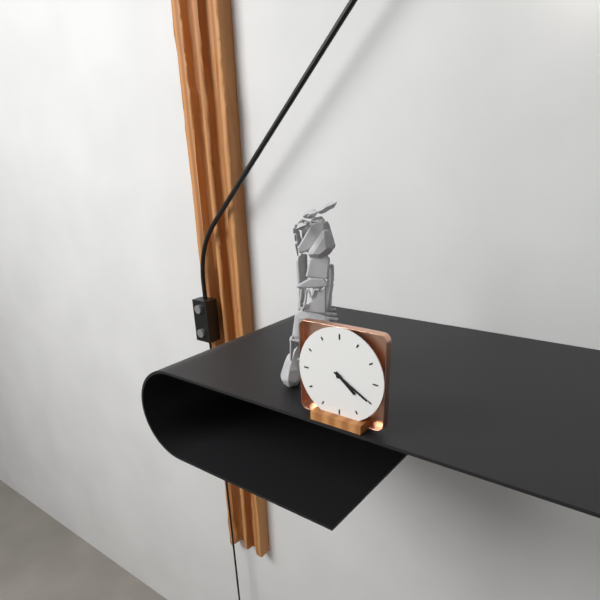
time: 4:20
